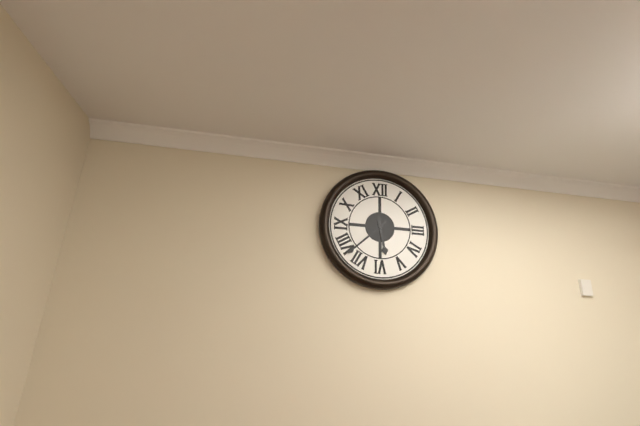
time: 5:38
